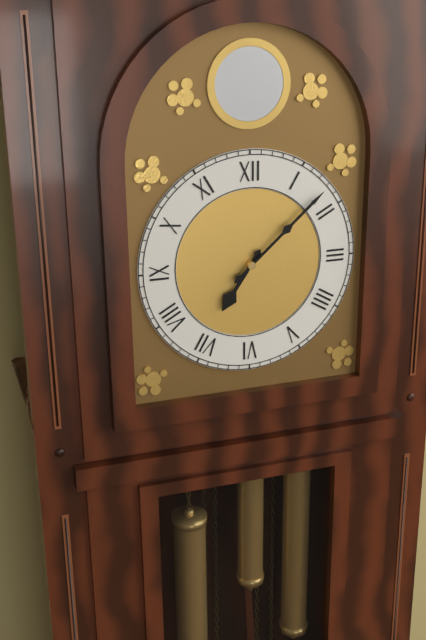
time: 7:08
